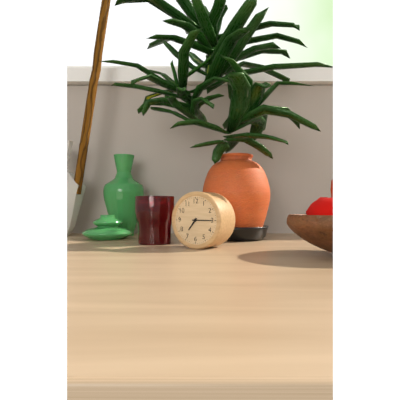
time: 7:15
